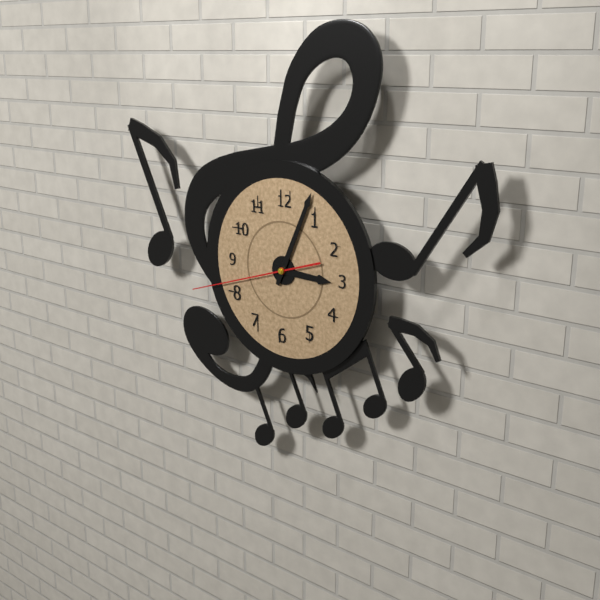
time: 3:04:42
